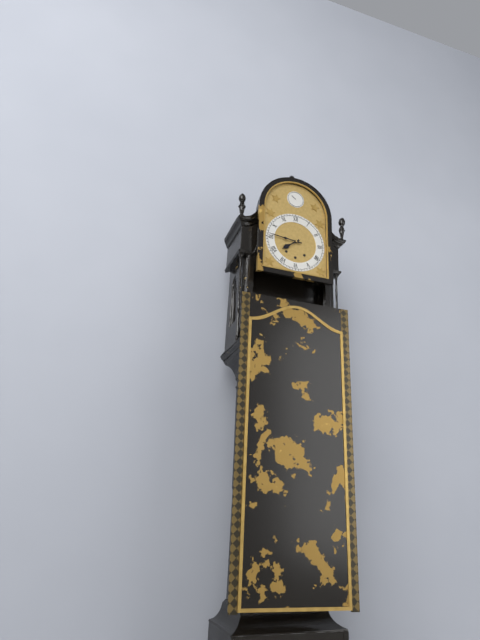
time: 7:46
